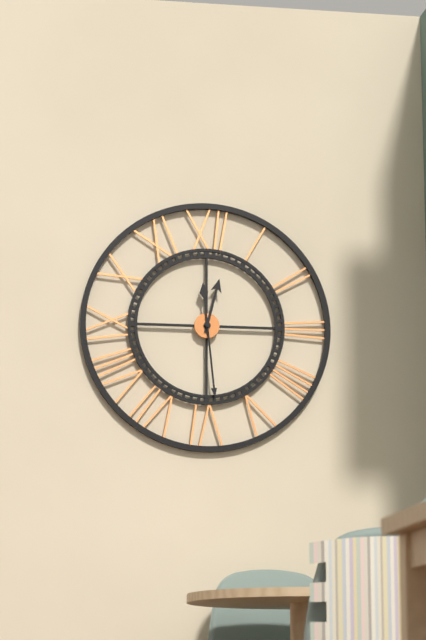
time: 12:29
